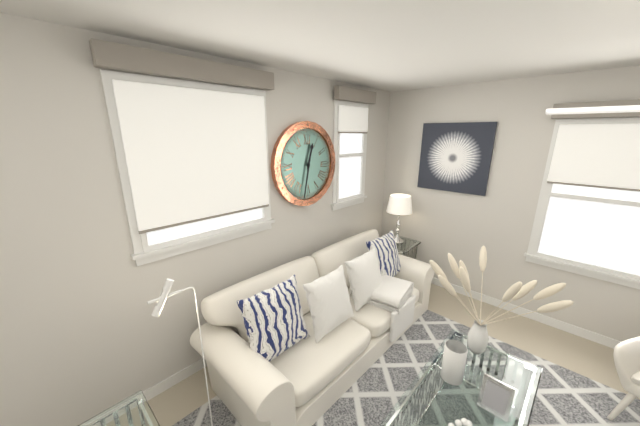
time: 12:32
